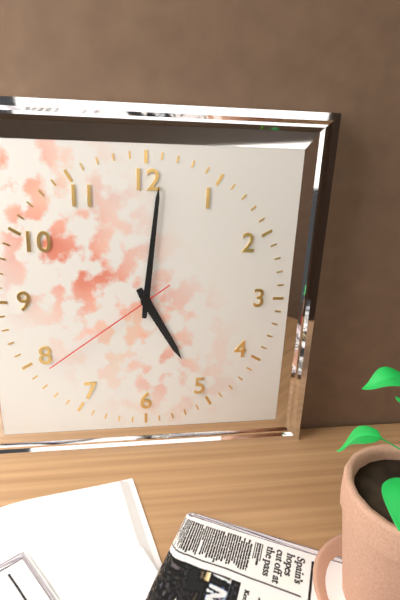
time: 5:01:39
